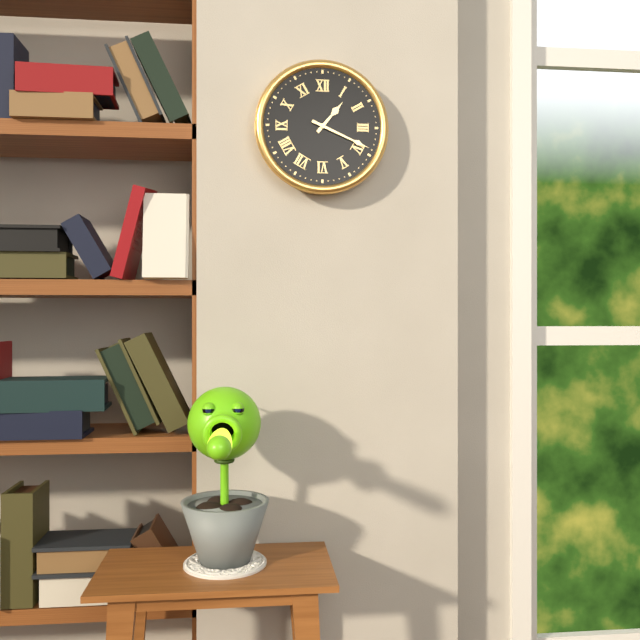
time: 1:19
